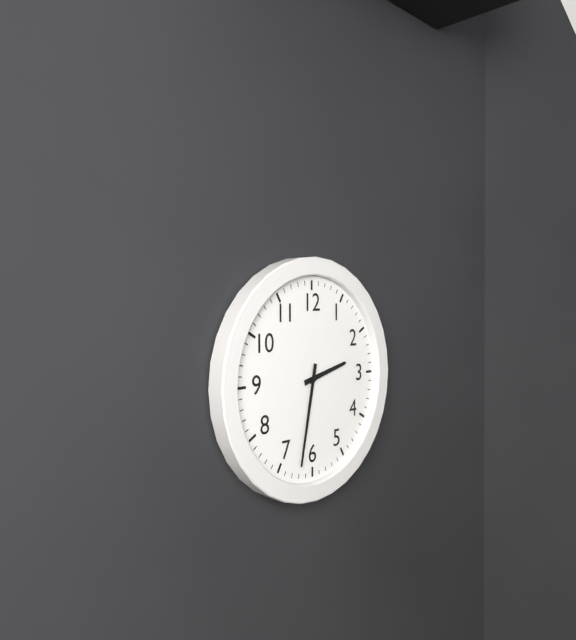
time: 2:32
